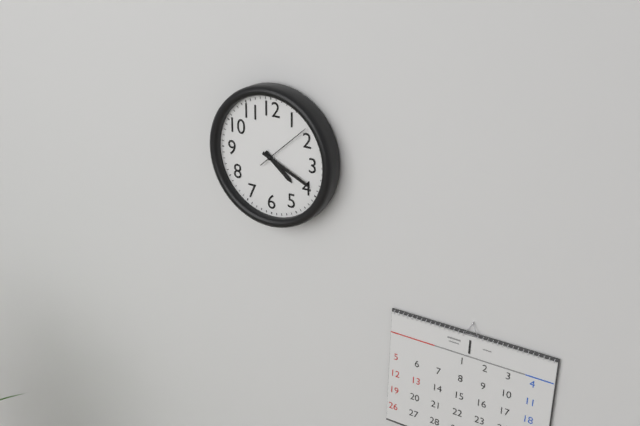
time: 4:19
